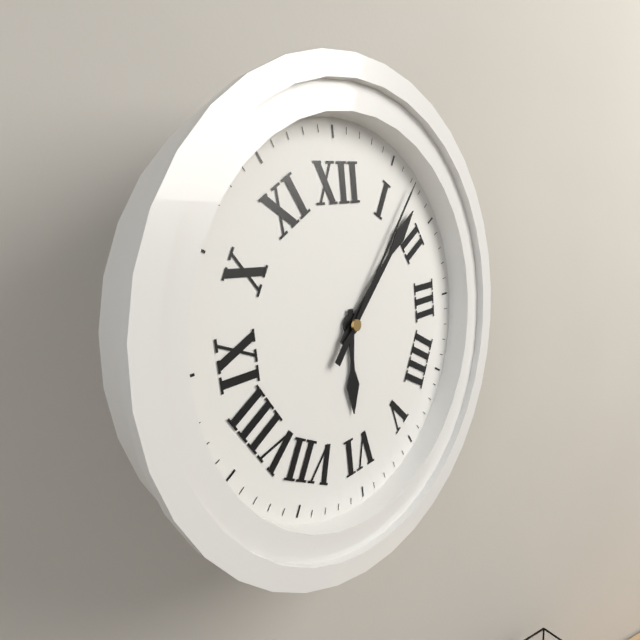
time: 6:08:07
